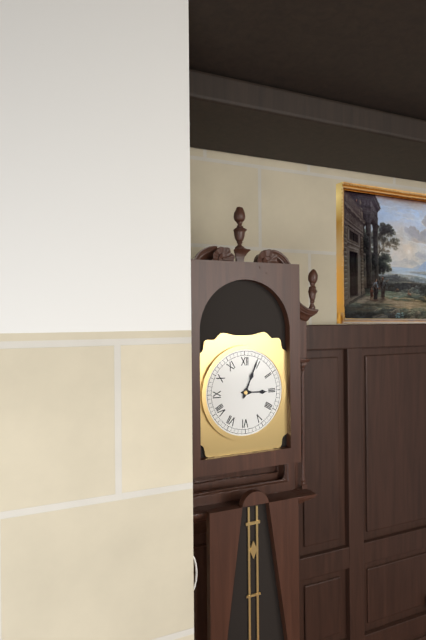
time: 3:04
